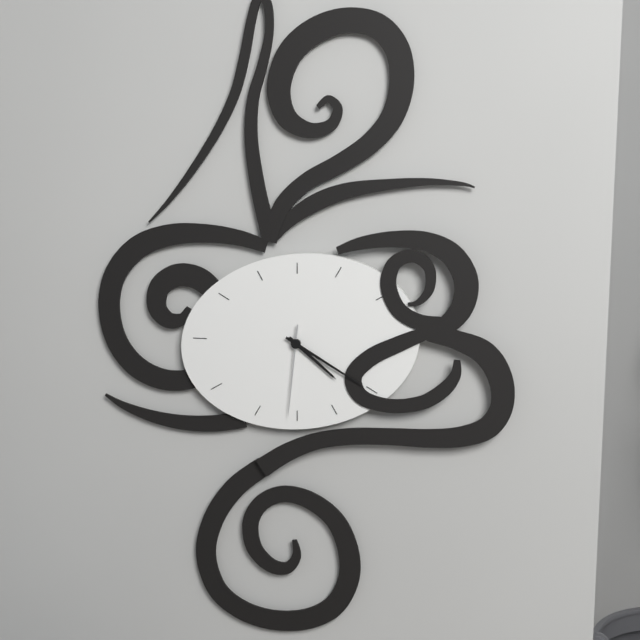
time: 4:20:31
